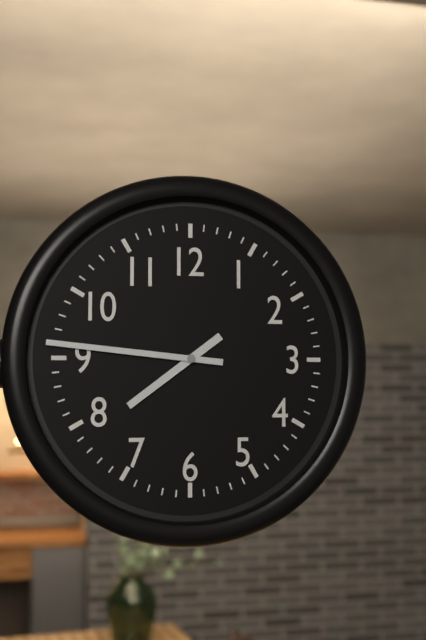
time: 7:46
